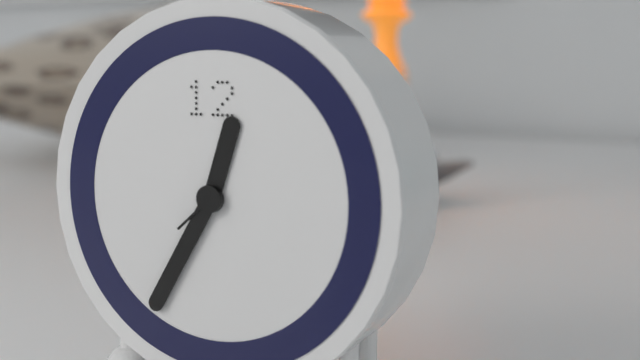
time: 12:35:38
